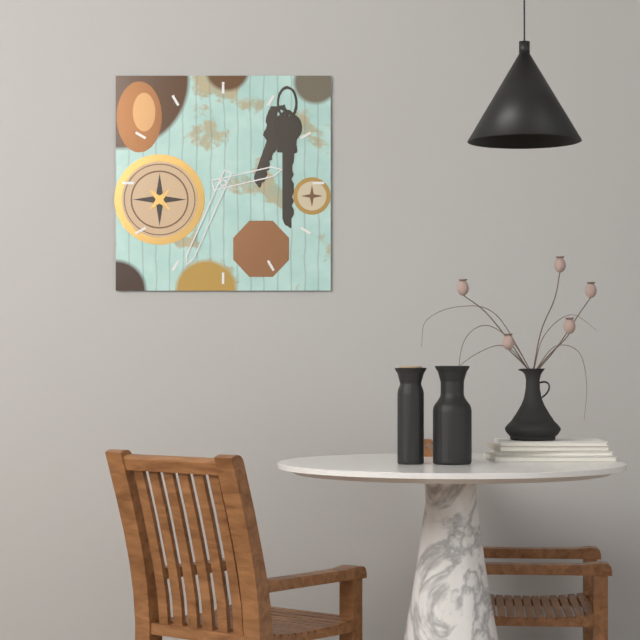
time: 2:34
